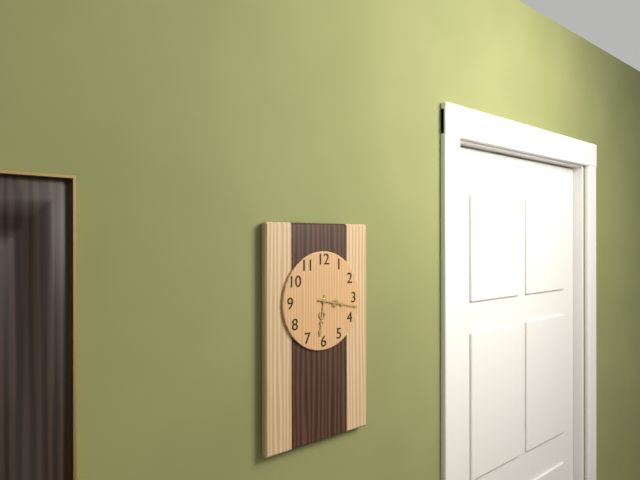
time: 6:17
